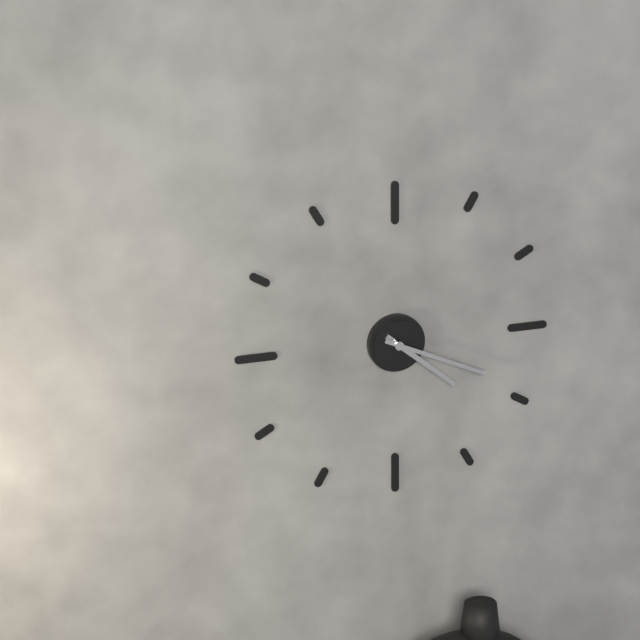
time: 4:19
